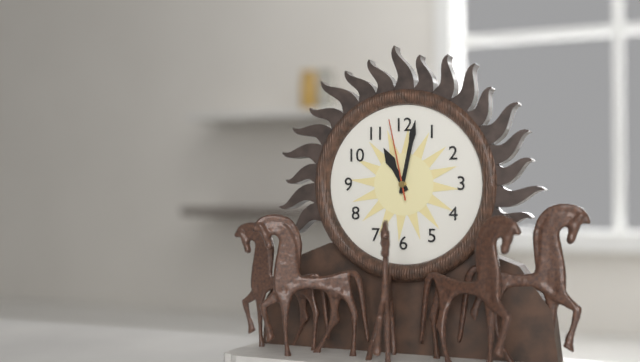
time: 11:02:58
